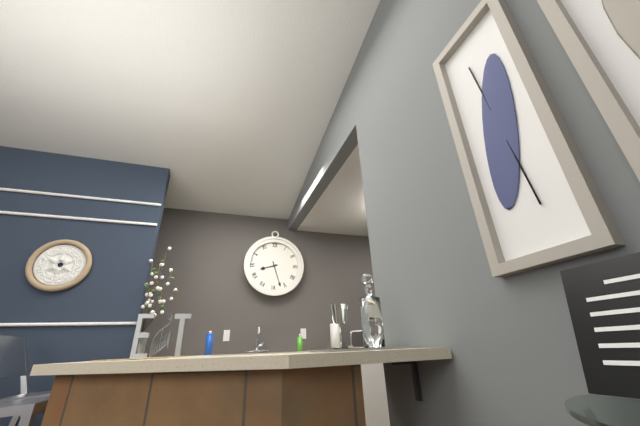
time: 8:27
